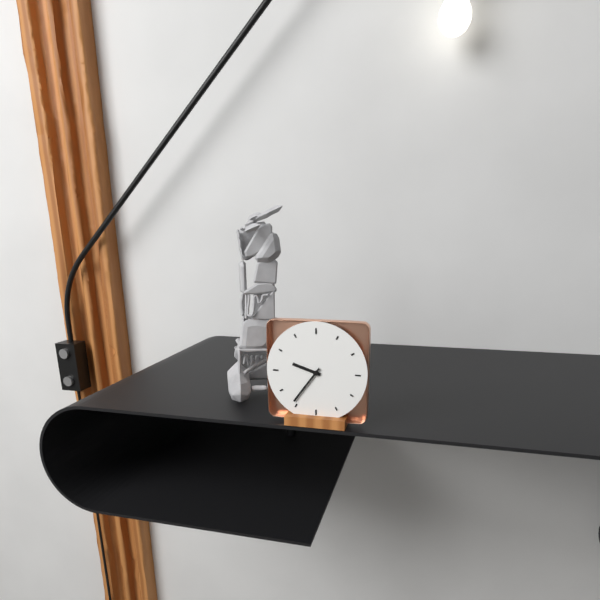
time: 9:36
